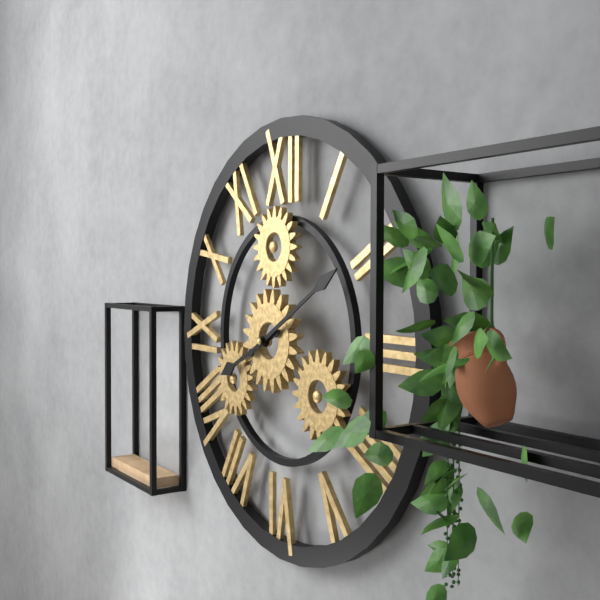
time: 8:10
